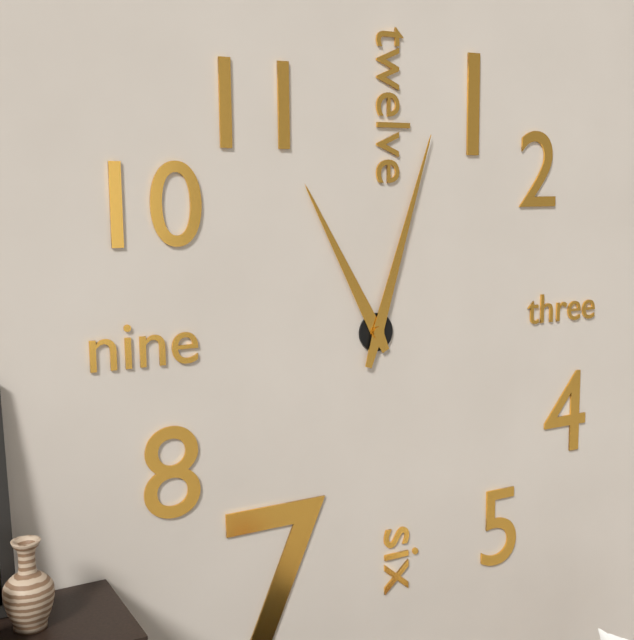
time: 11:03
